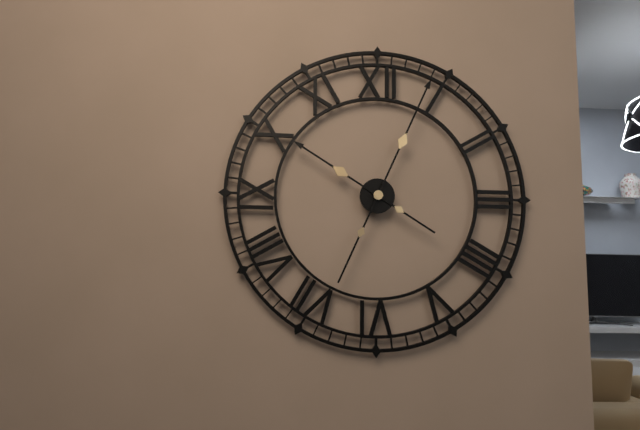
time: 10:04
